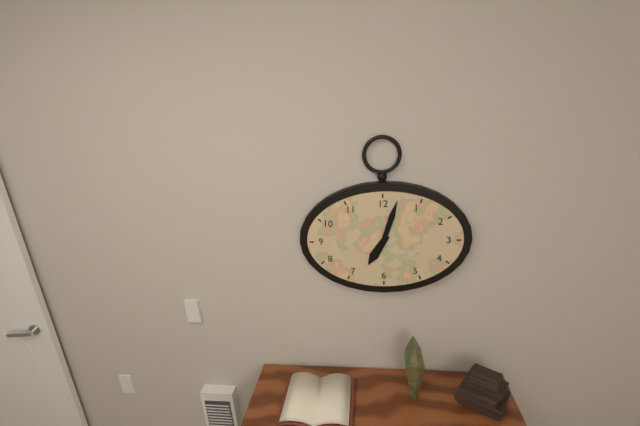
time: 7:03
